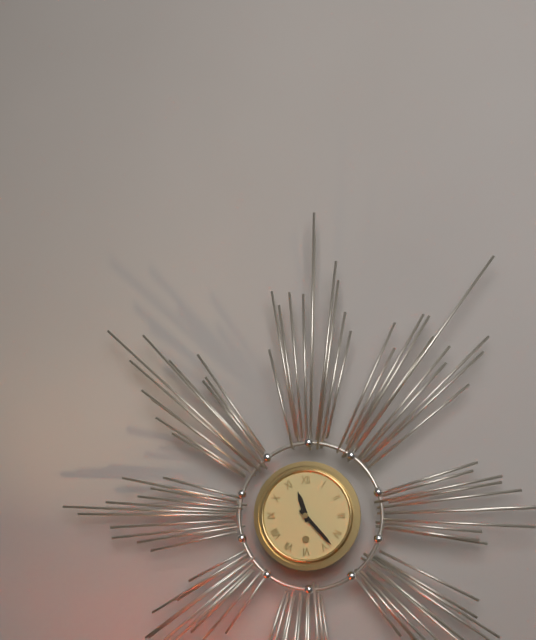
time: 11:23
